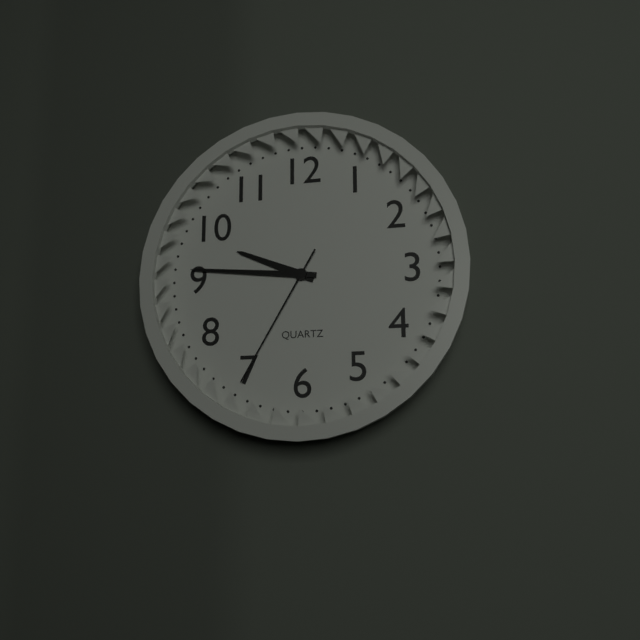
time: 9:46:35
